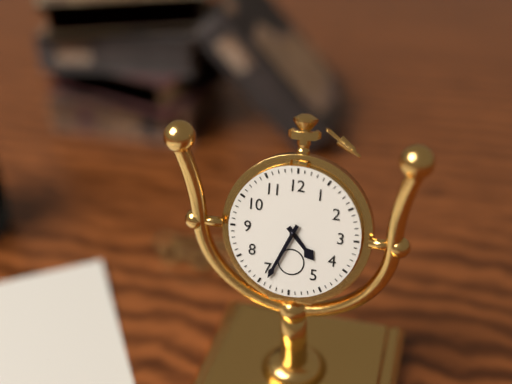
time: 4:34
